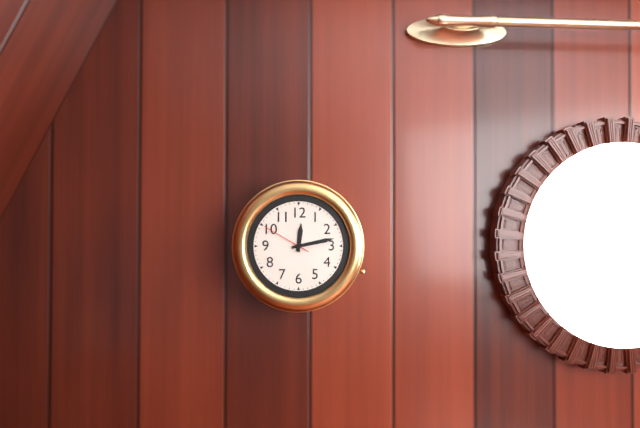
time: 12:13
